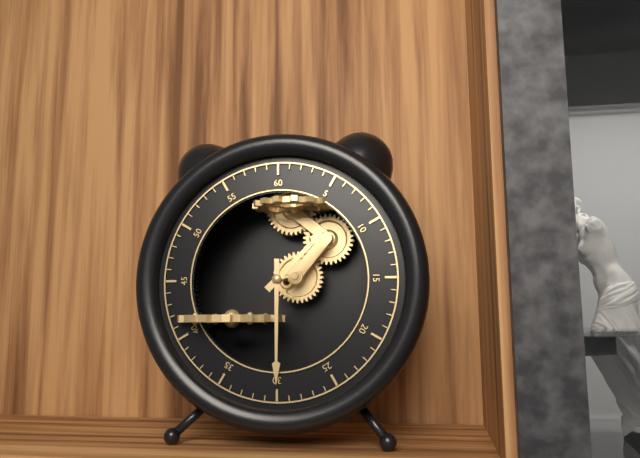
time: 1:30
